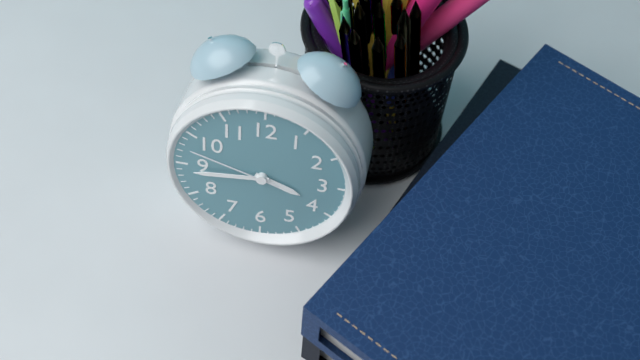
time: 3:44:48
